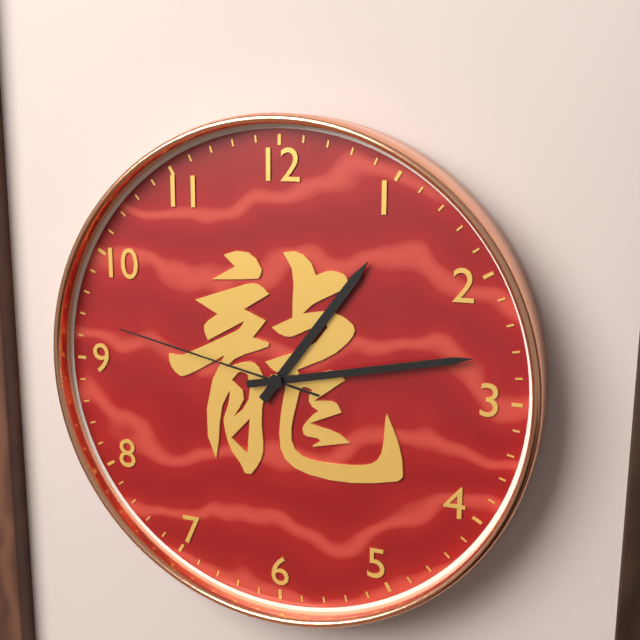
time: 1:13:47
